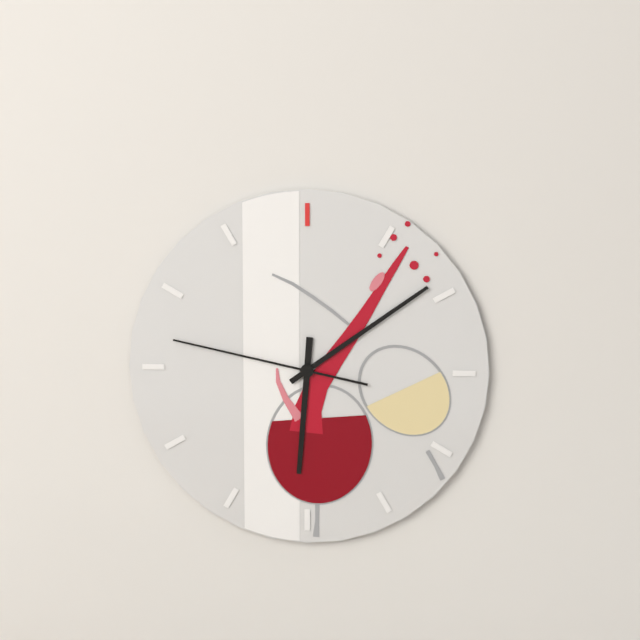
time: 6:09:47
